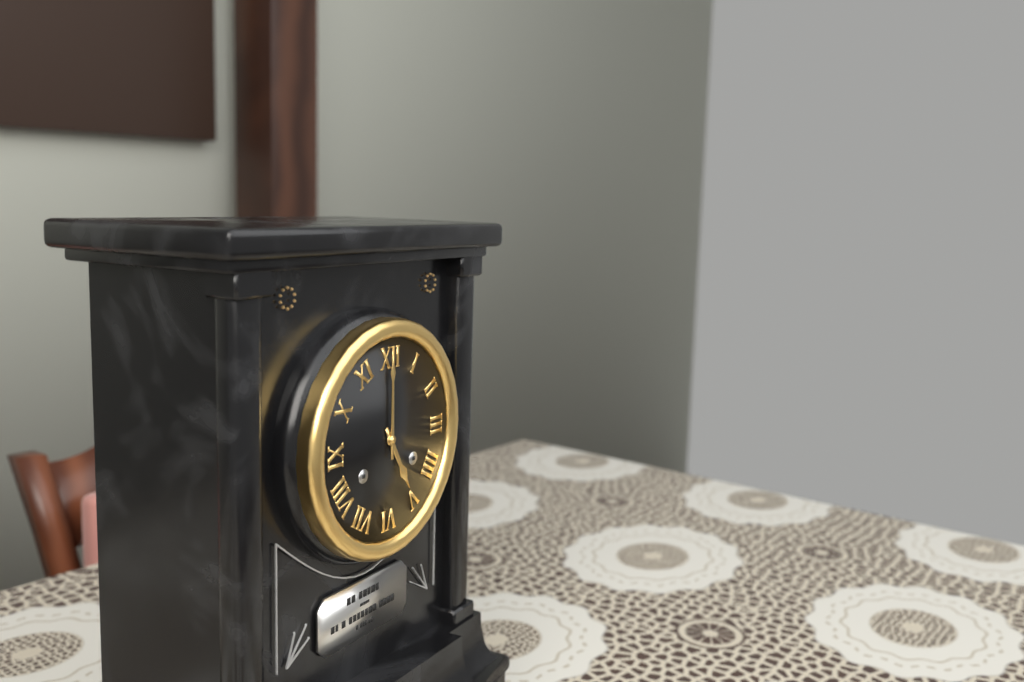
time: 5:00
